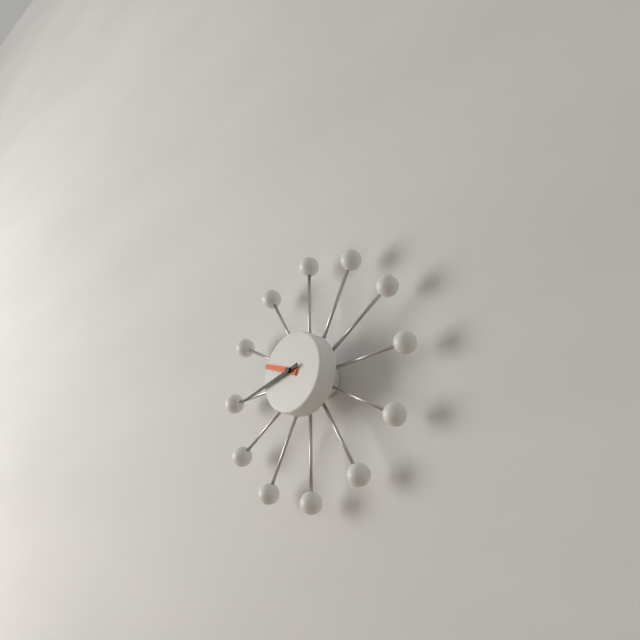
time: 9:43
